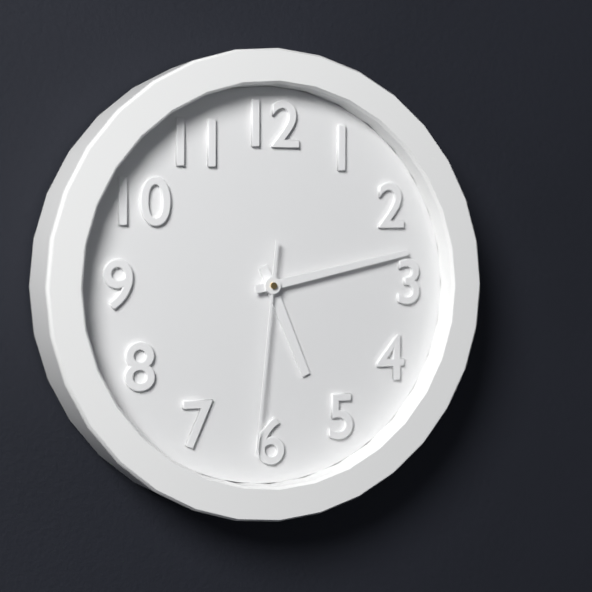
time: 5:13:31
